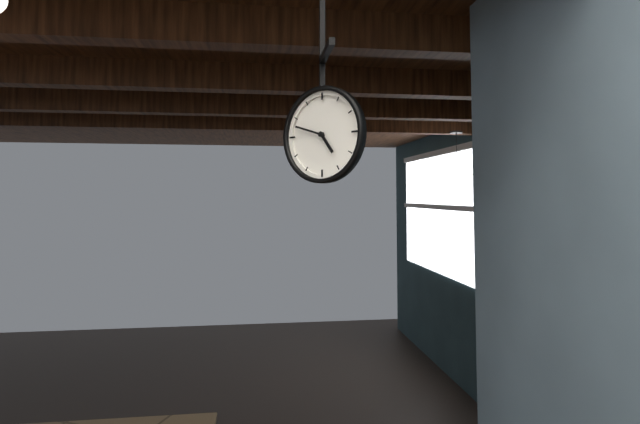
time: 4:48
